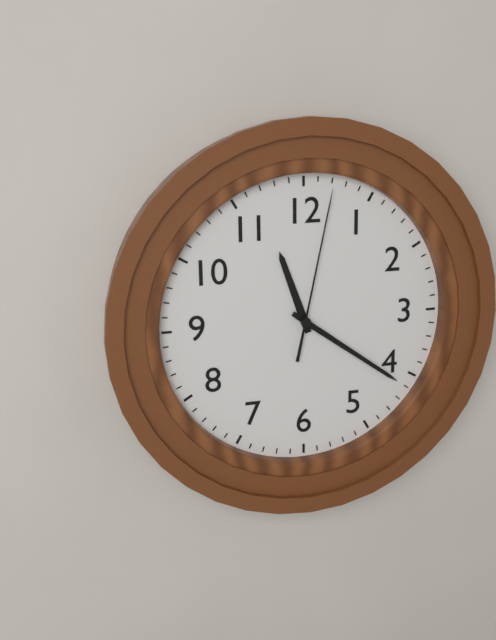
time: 11:21:02
